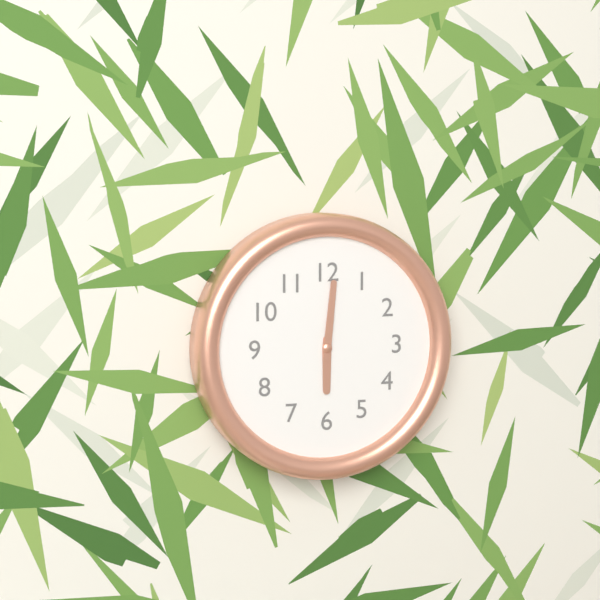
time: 6:01
